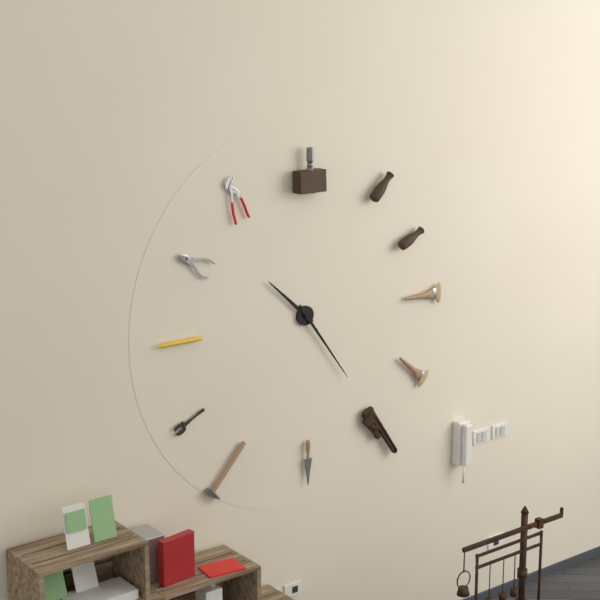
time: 10:24
